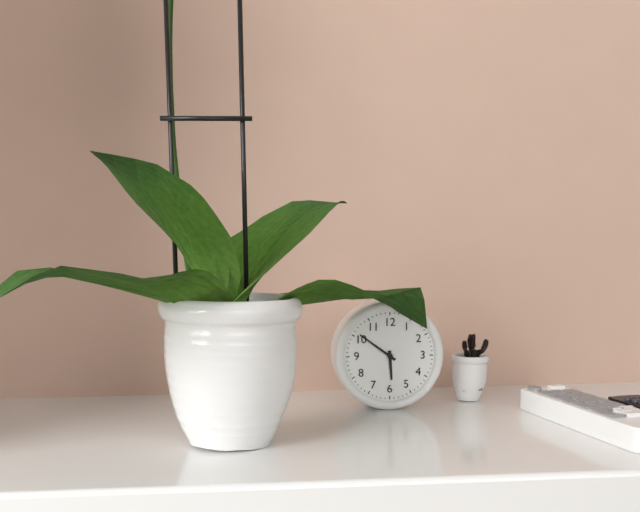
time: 5:51
